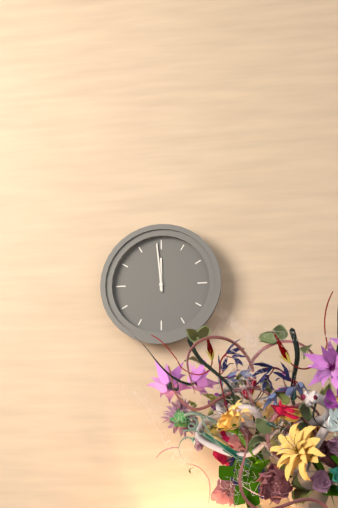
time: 11:59
